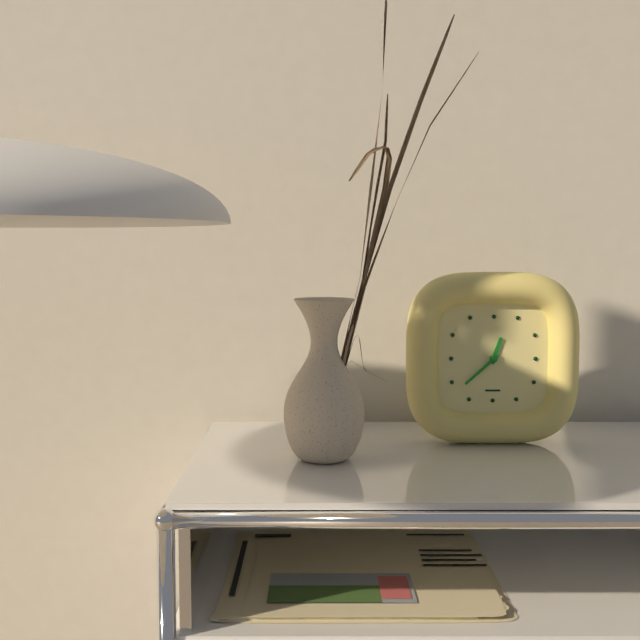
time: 12:38
